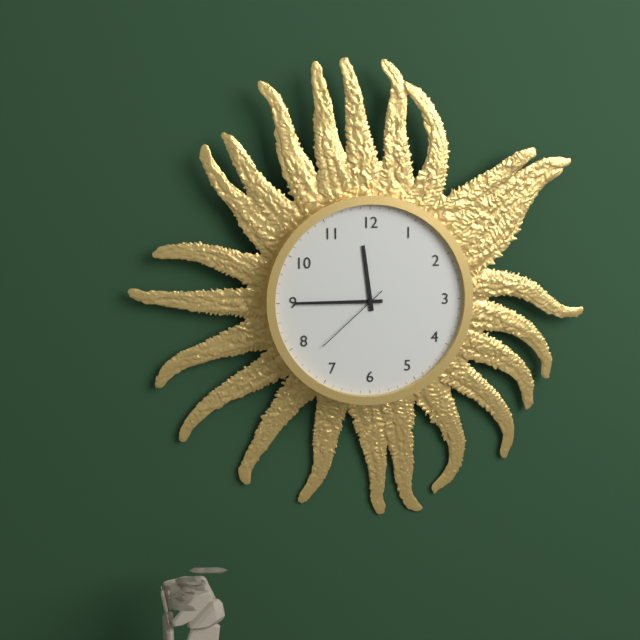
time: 11:45:38
